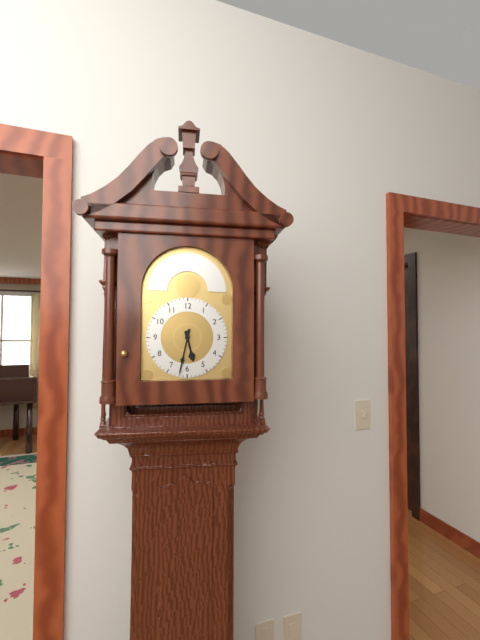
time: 5:32
